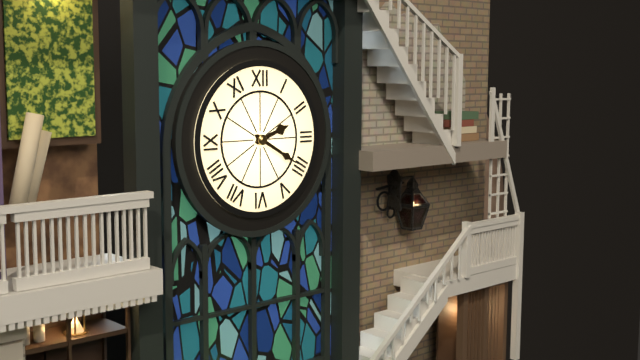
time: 2:20
